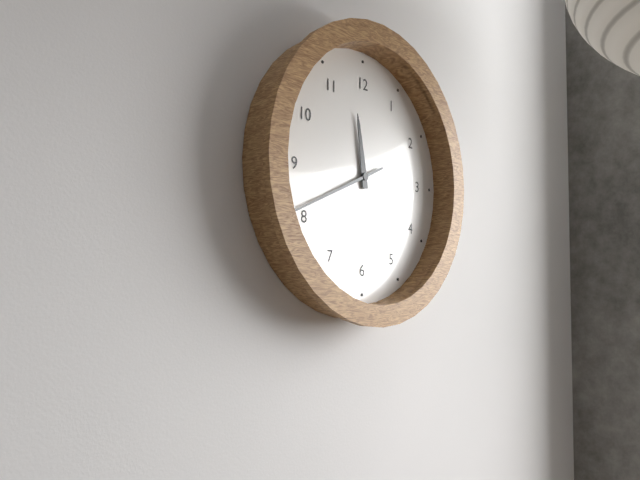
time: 11:41
